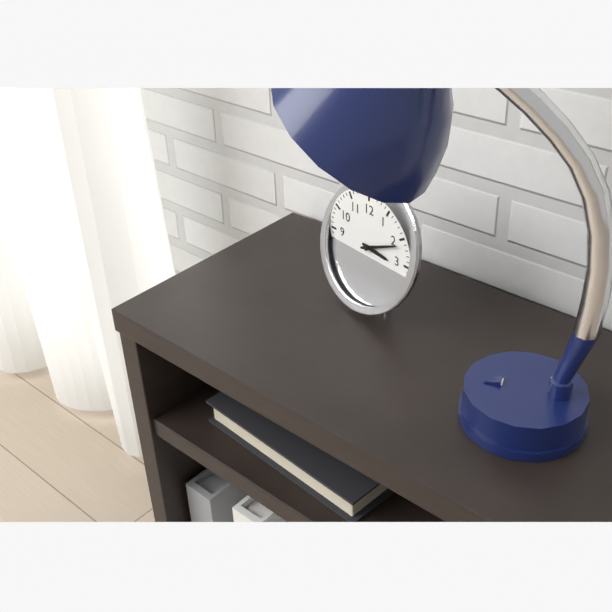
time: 3:11
